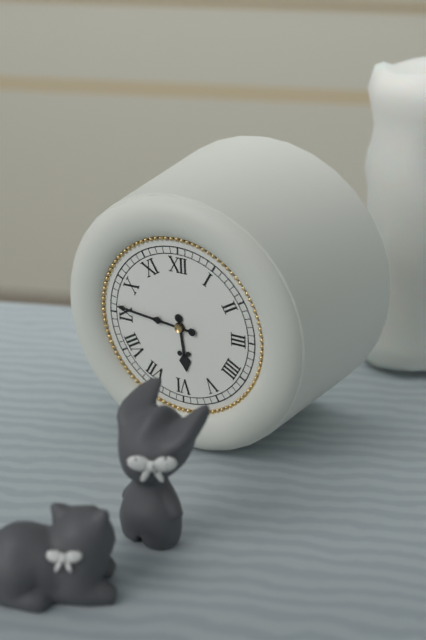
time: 5:46
